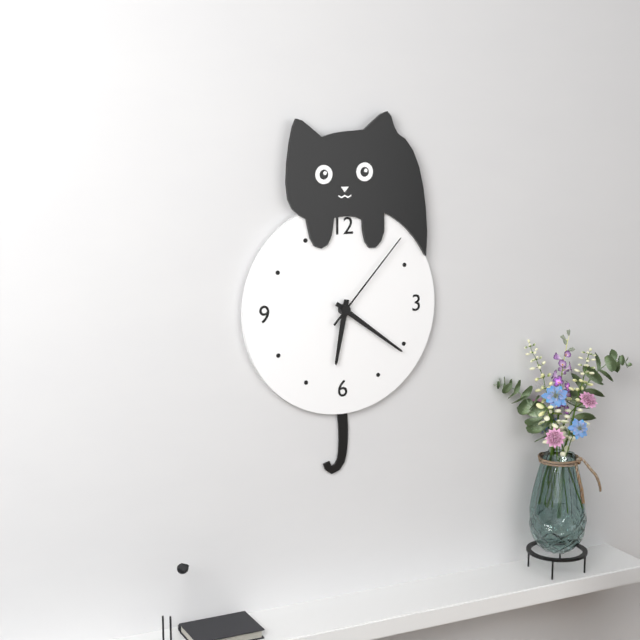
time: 6:21:07
